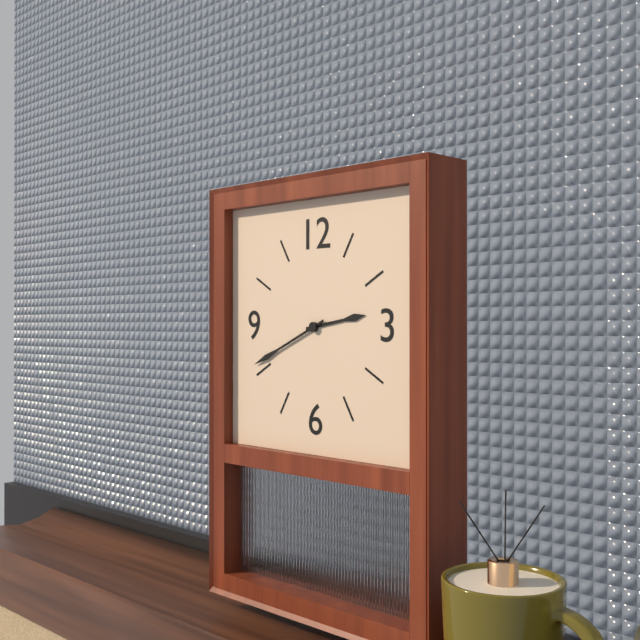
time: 2:41
